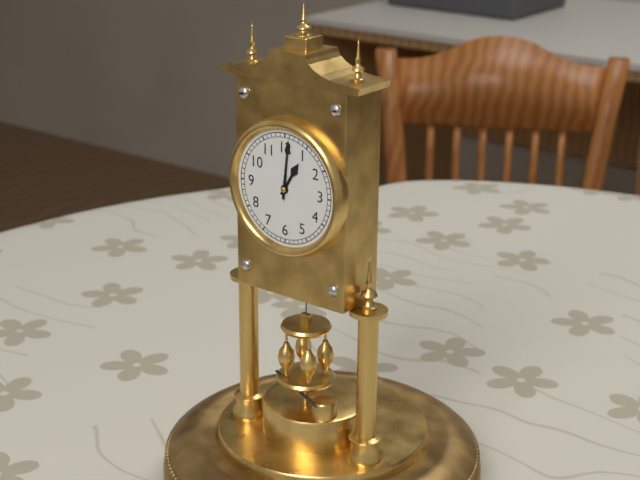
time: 1:01
